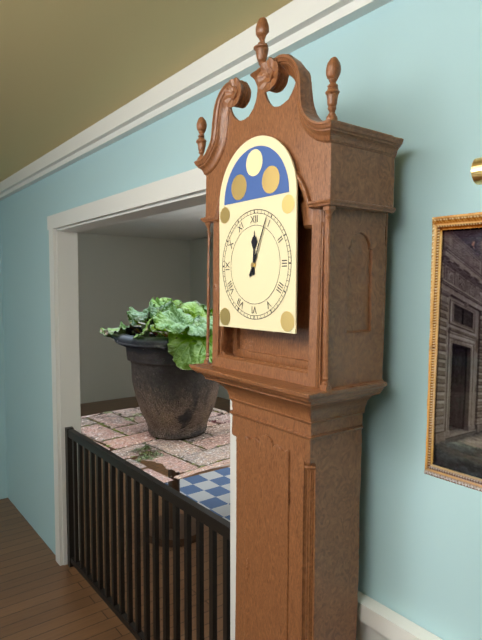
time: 12:04
